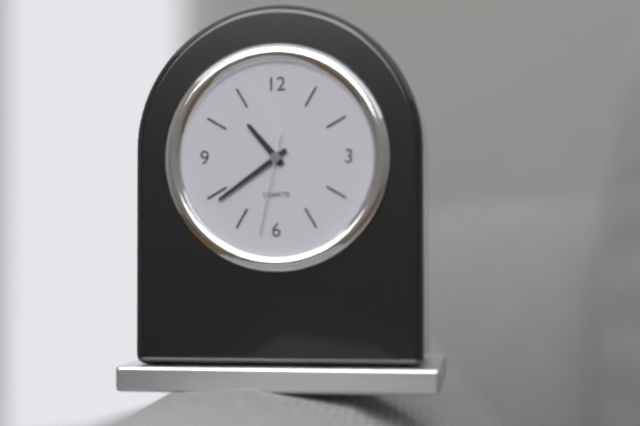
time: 10:39:32
